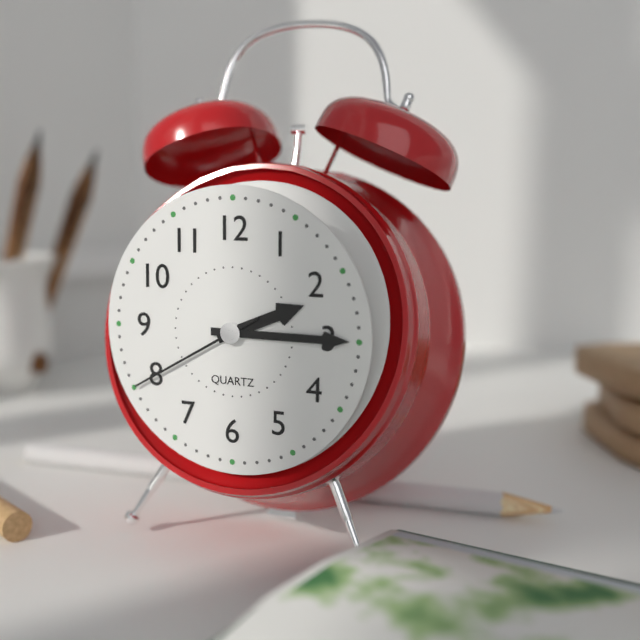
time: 2:15:40
